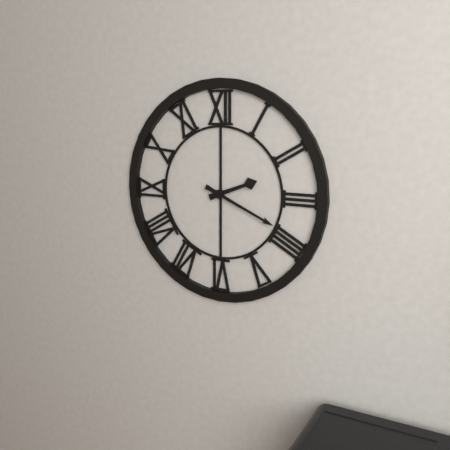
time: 2:19
